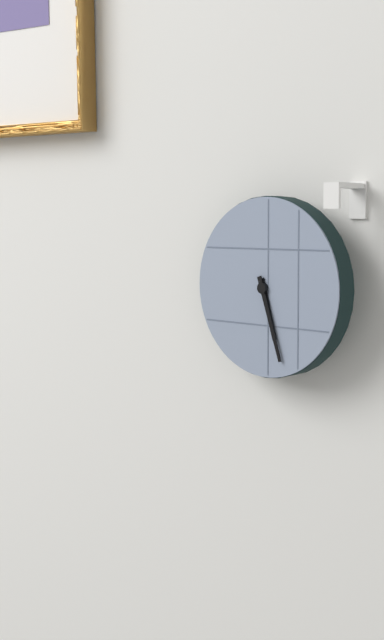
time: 5:27
